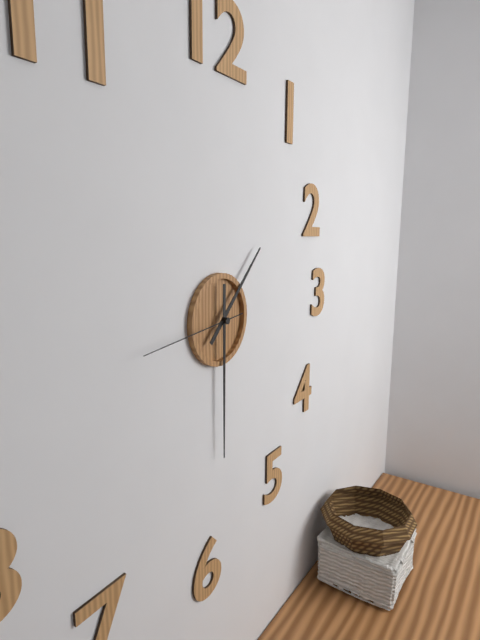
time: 1:30:44
